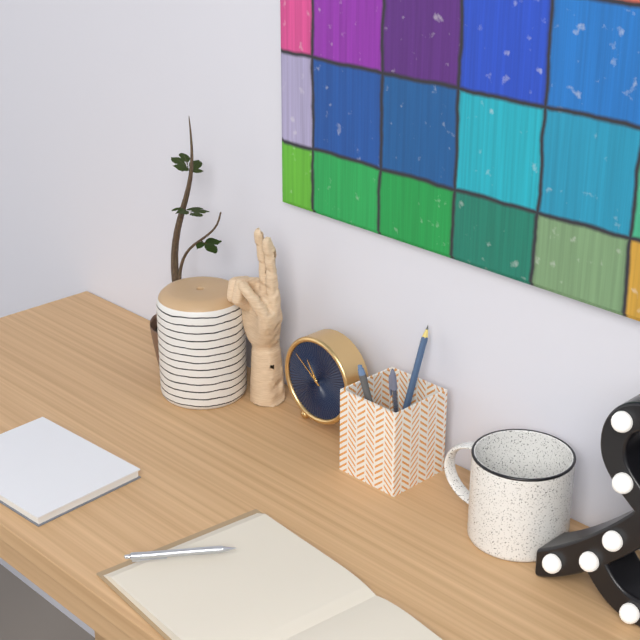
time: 10:51
